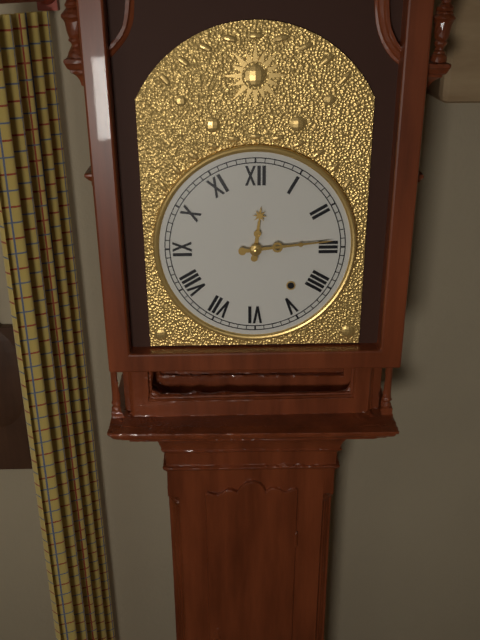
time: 12:14
